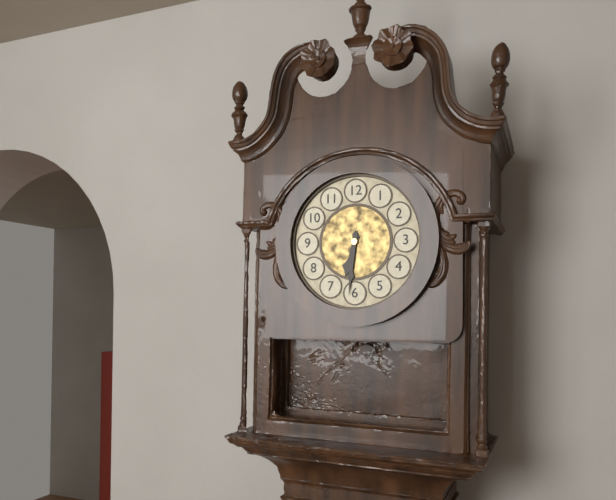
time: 6:31
